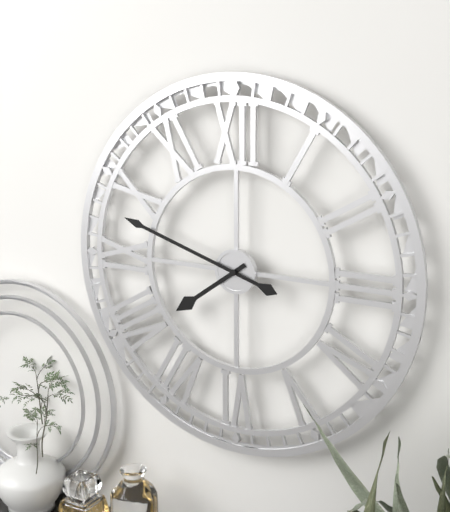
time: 7:48
